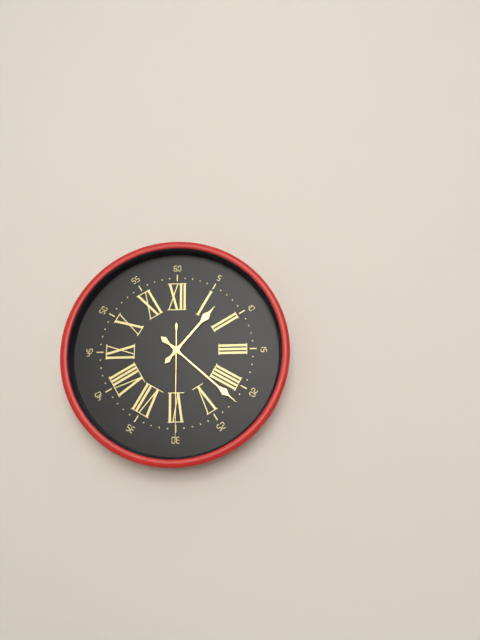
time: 1:22:30
